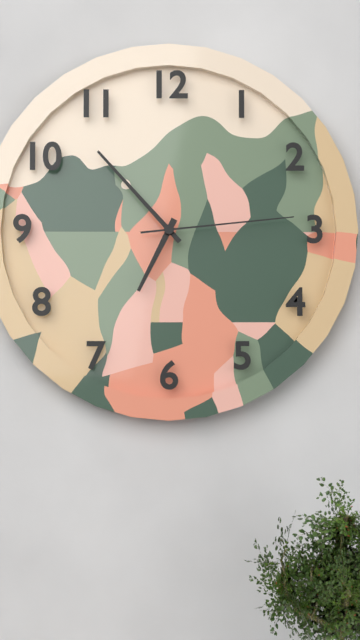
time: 6:53:14
